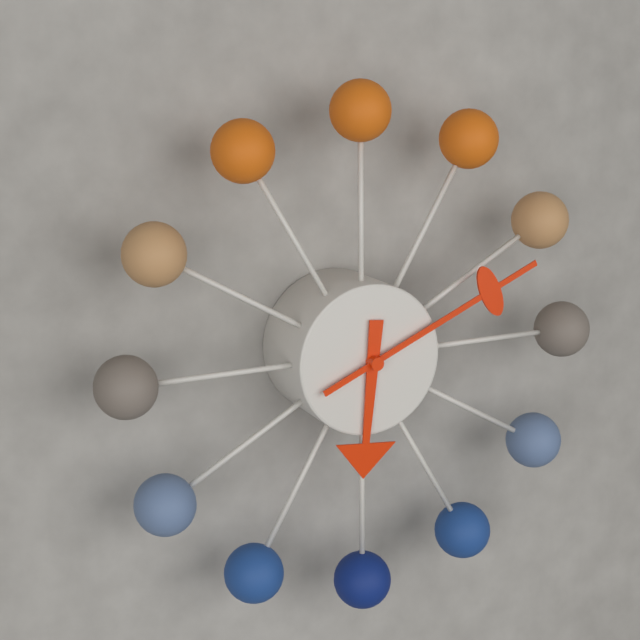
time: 6:11
